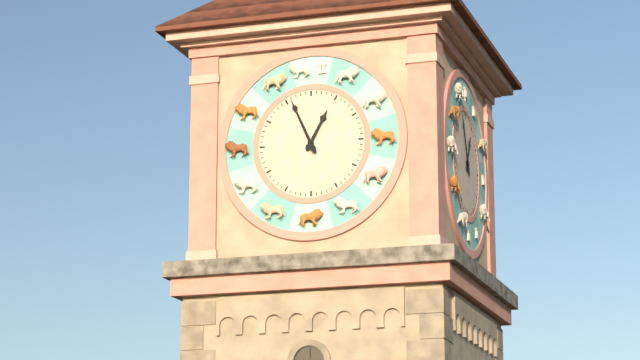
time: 12:56
